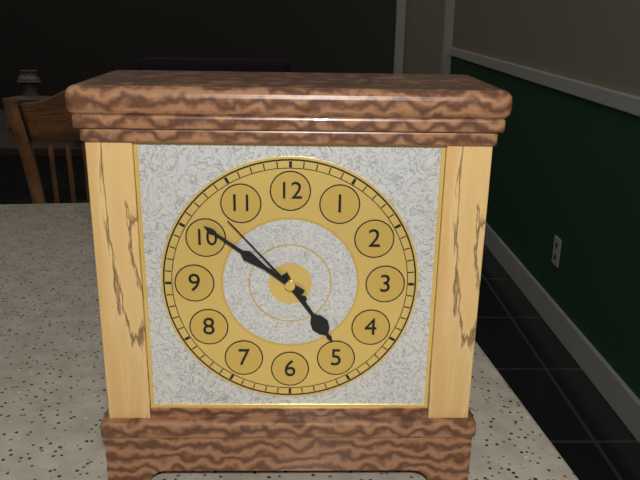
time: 4:51:53
